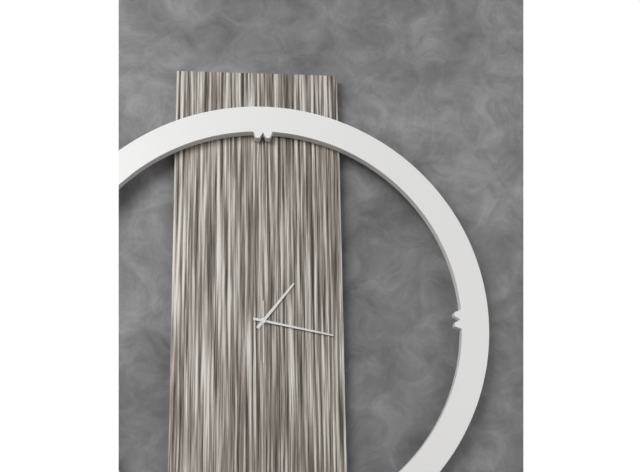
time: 1:17:30
